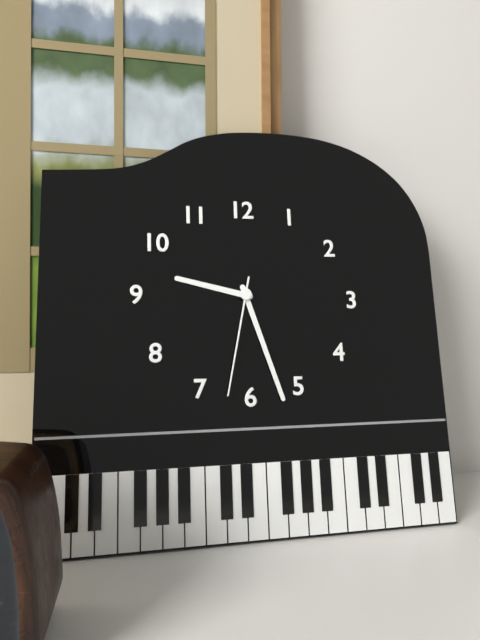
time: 9:27:32
